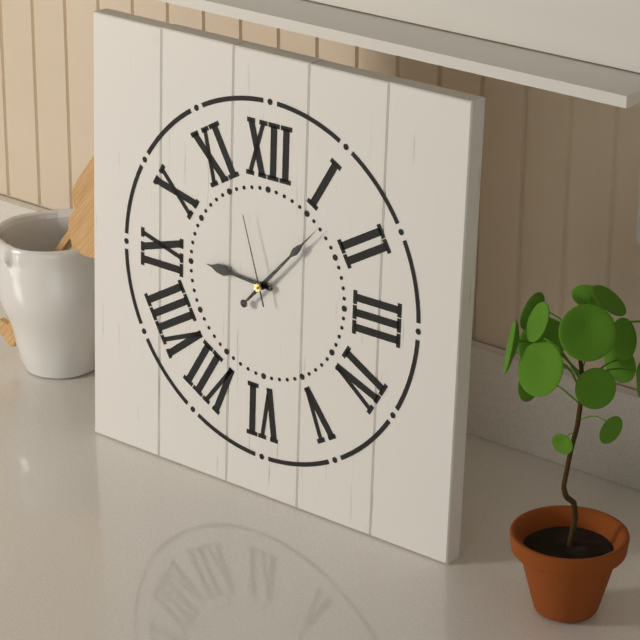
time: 9:07:57
